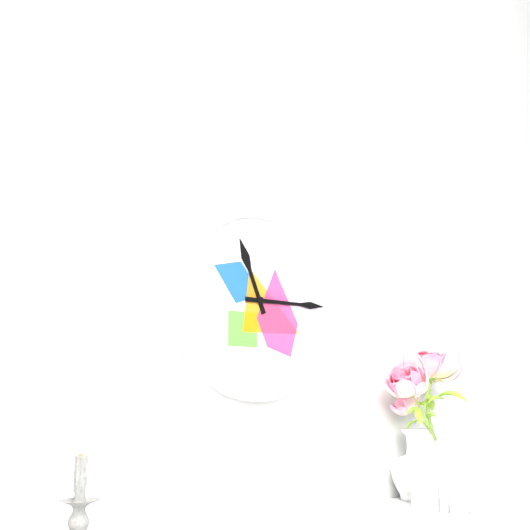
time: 11:15
